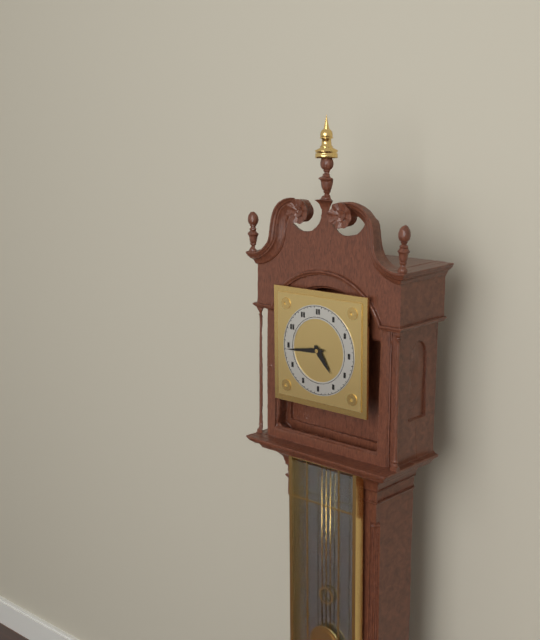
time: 4:44
